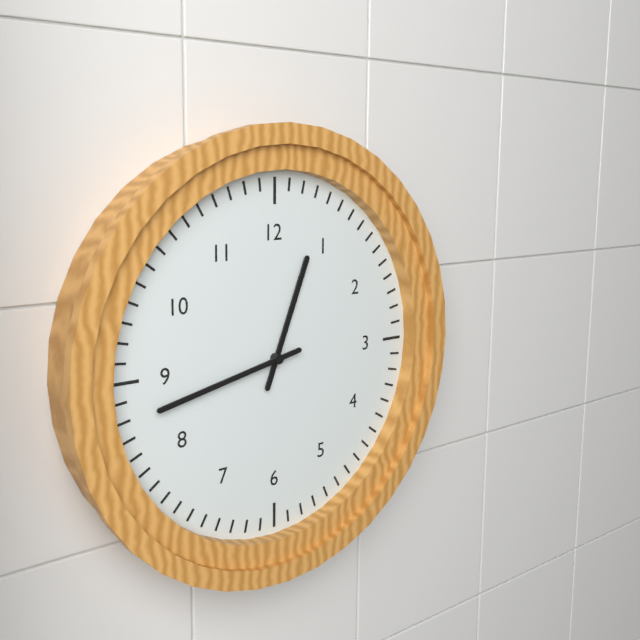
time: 12:43
